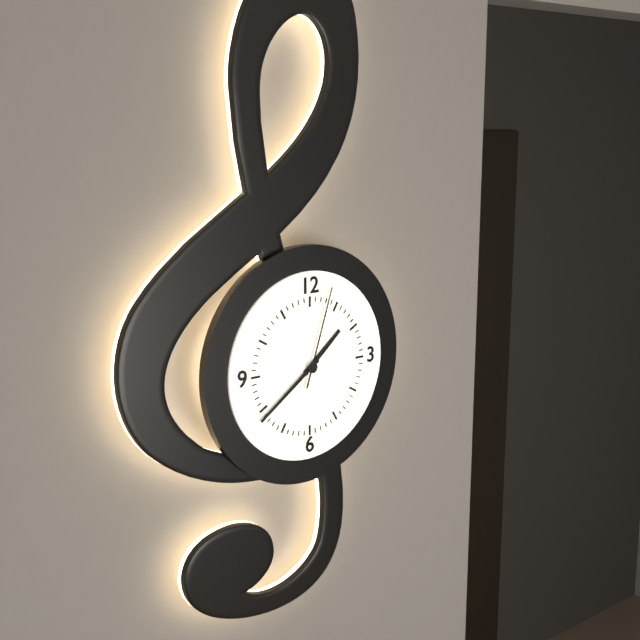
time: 1:39:03
